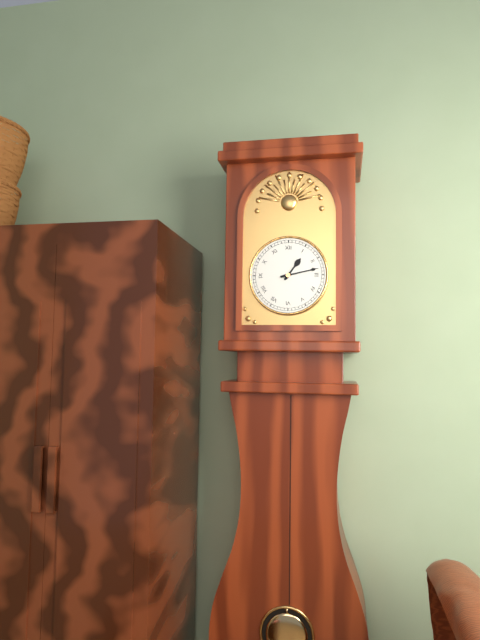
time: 1:13
